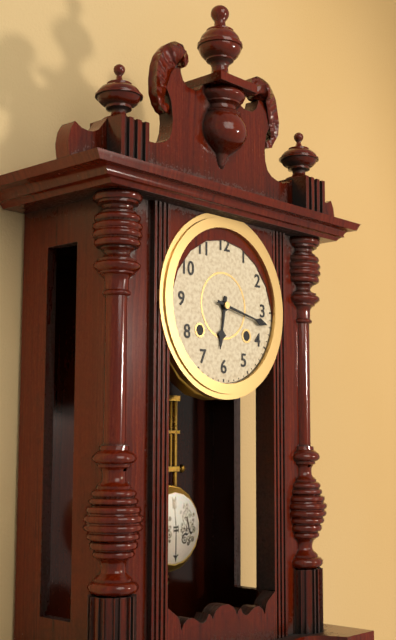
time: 6:17
